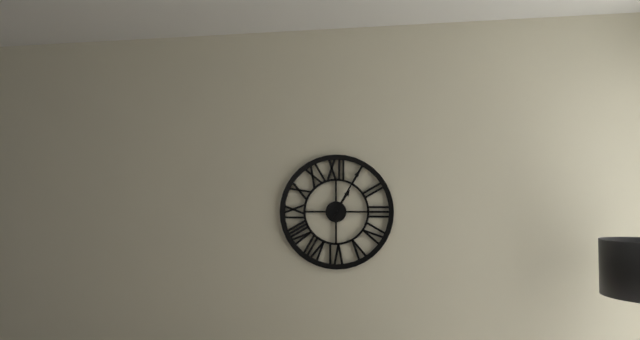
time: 1:05
